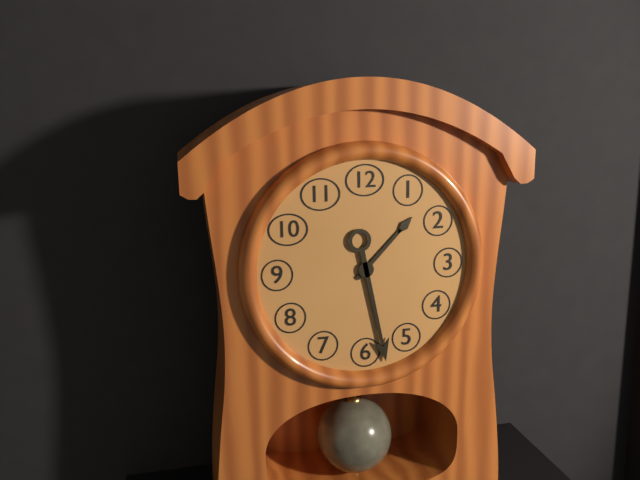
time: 1:28
